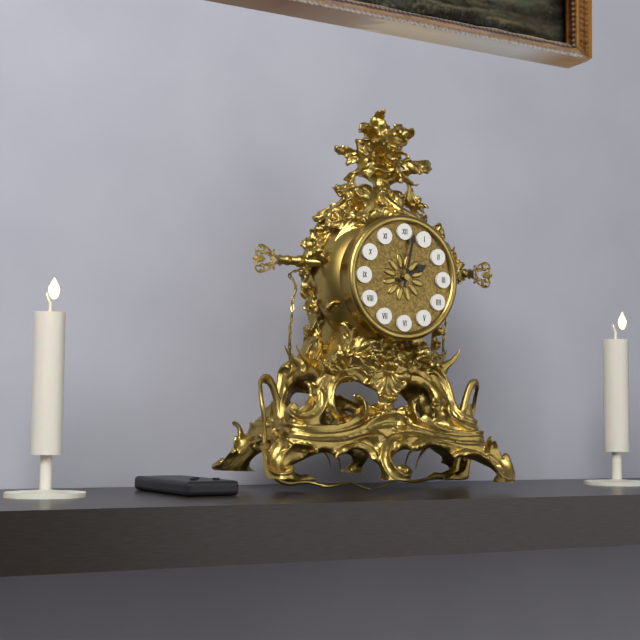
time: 2:02
